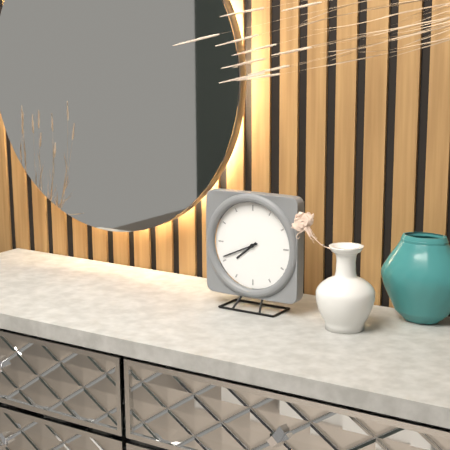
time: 7:41
